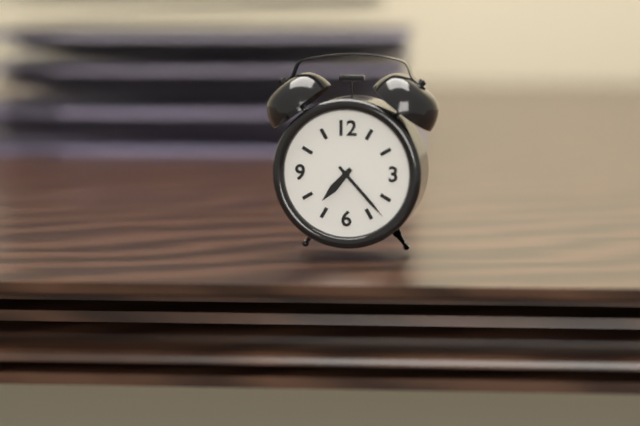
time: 7:23
